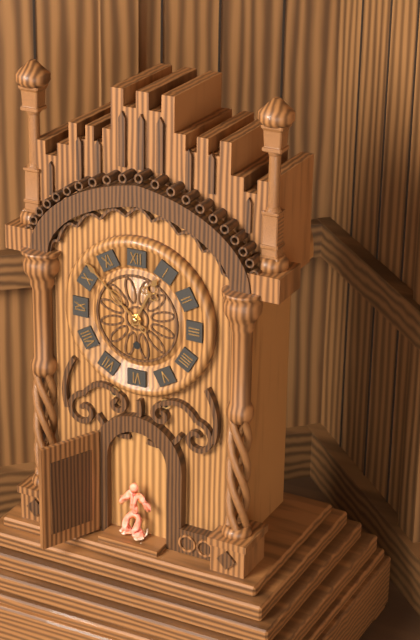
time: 12:52
